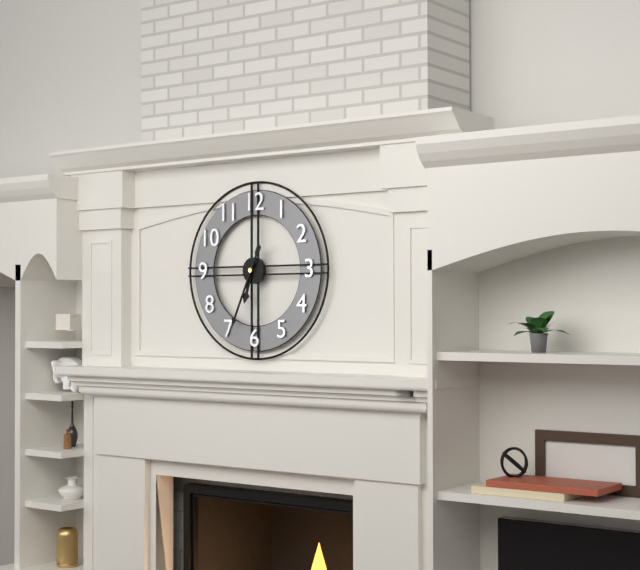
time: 6:34
